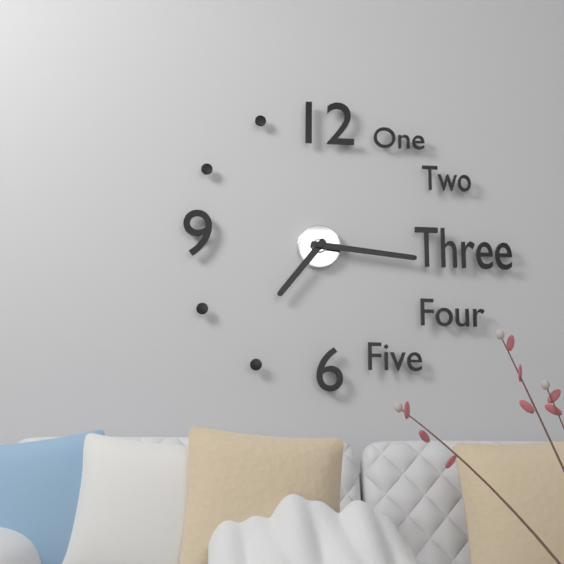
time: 7:16
